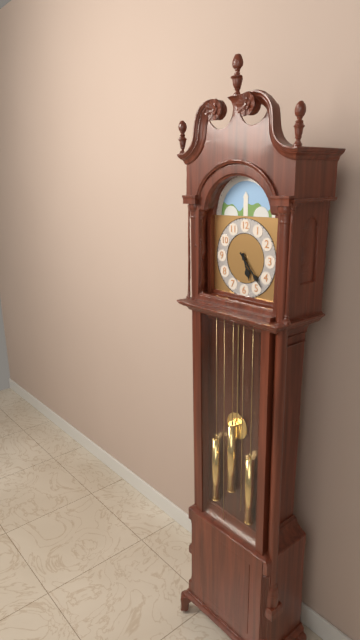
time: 5:23
